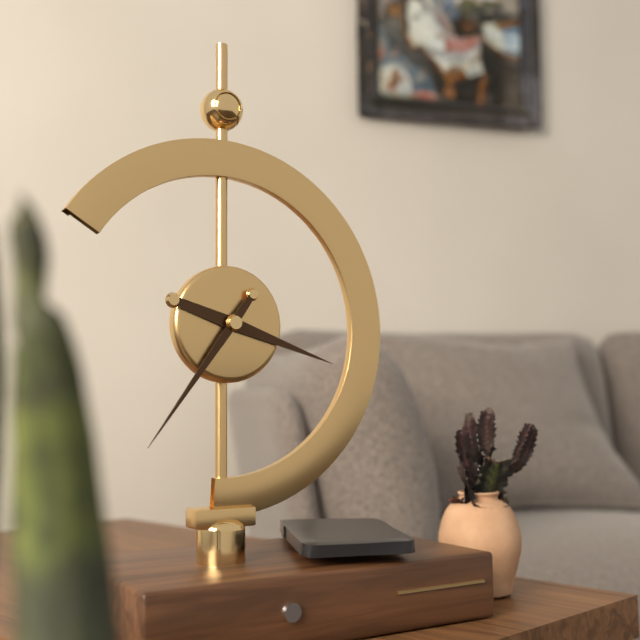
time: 3:36
